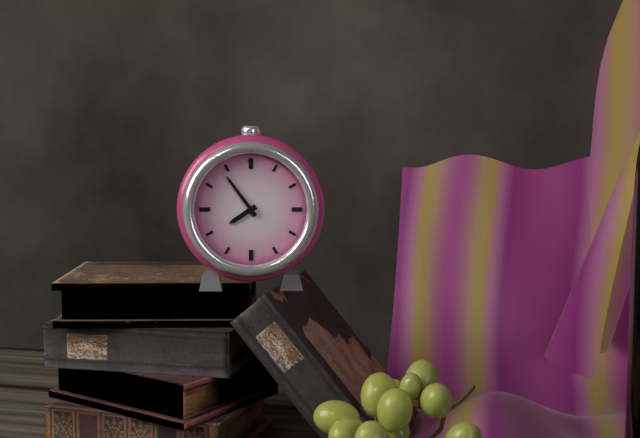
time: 7:54
